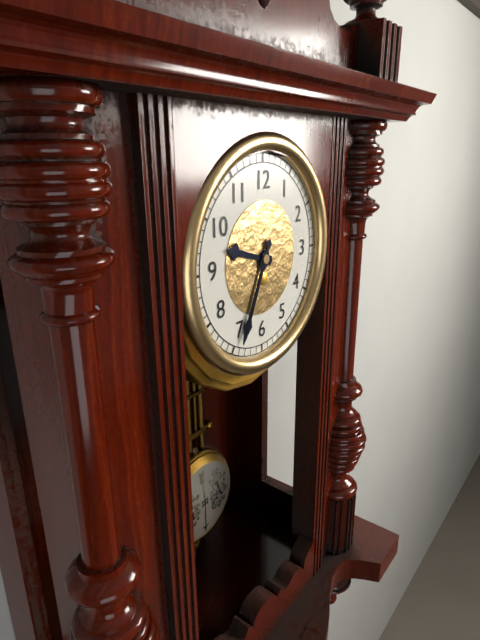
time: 9:34
